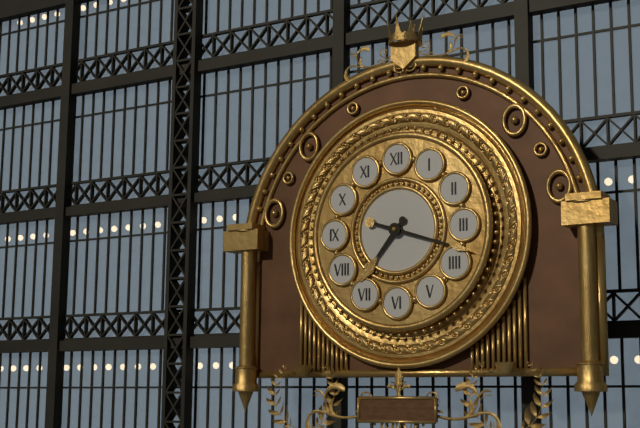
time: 7:18
